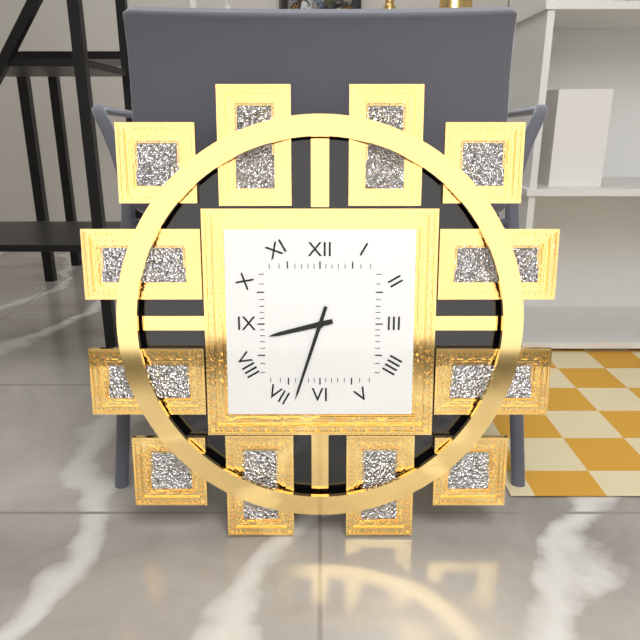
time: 8:33
